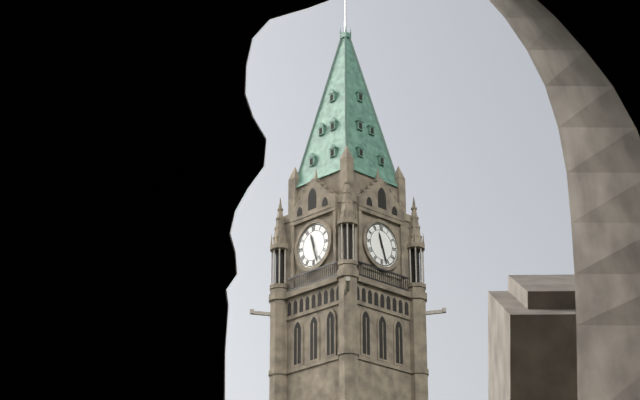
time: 11:27
